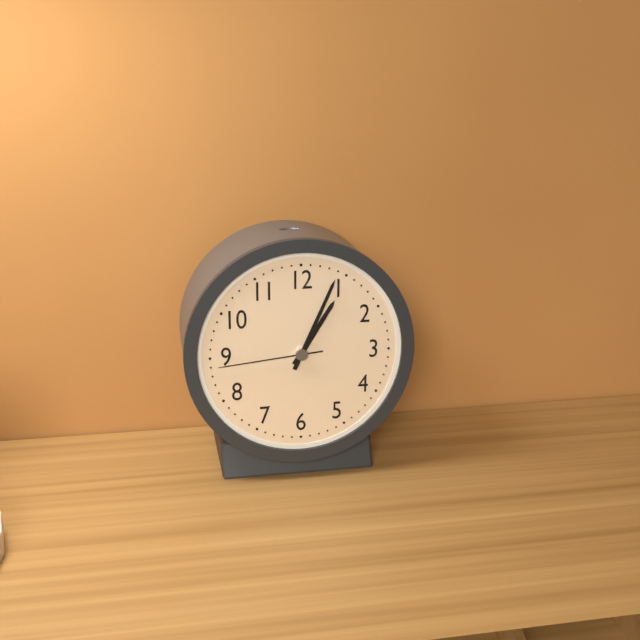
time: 1:04:44
